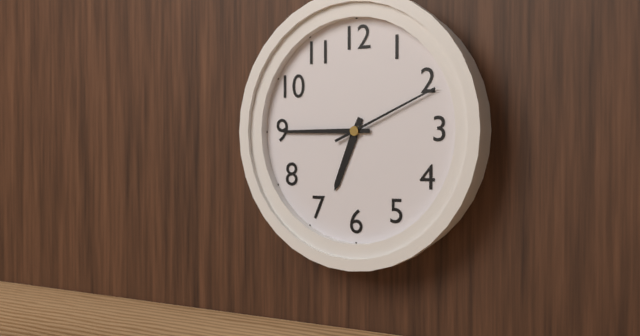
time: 6:45:11
